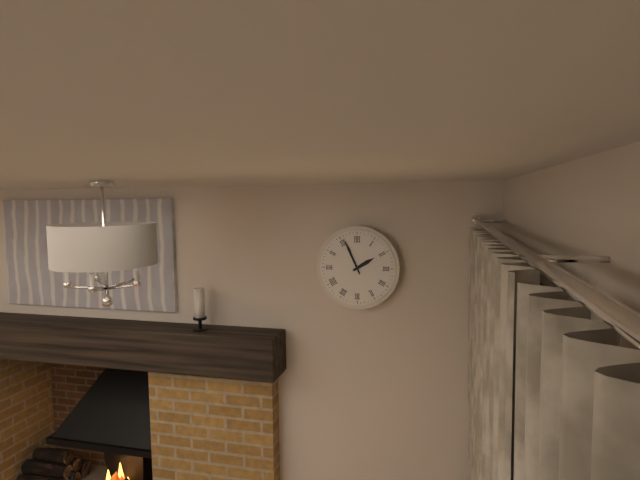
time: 1:56
